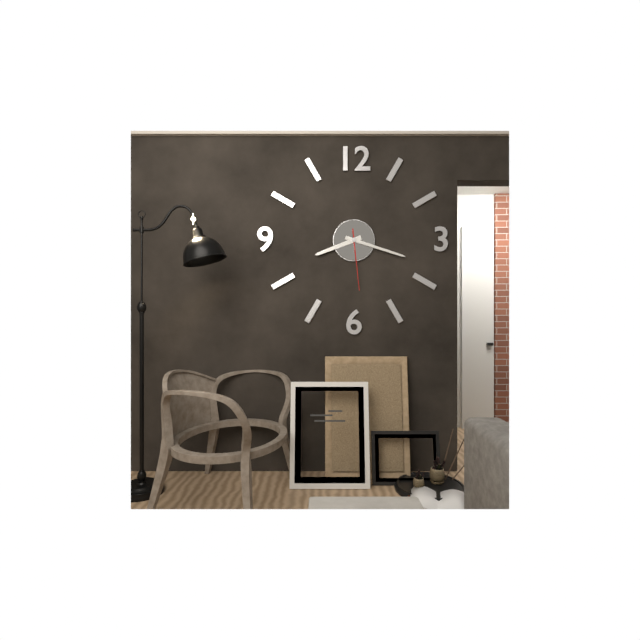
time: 8:18:29
